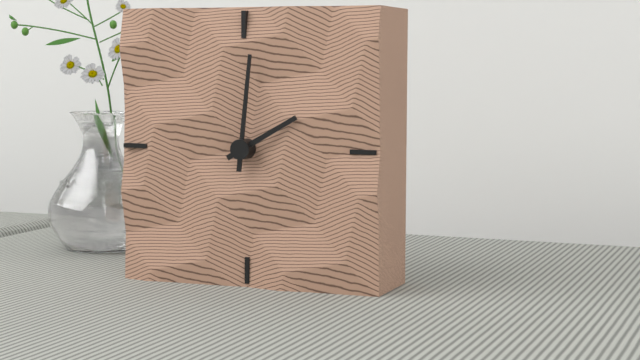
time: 2:01
